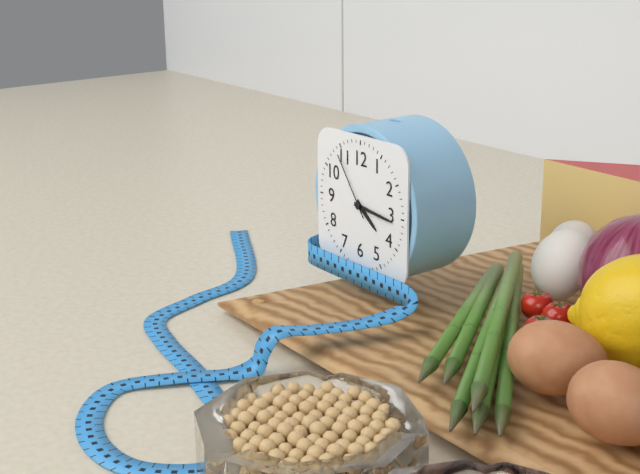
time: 4:16:54
